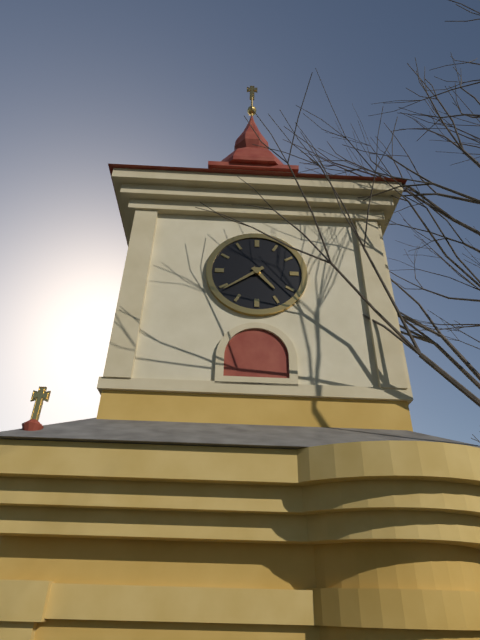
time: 4:39
